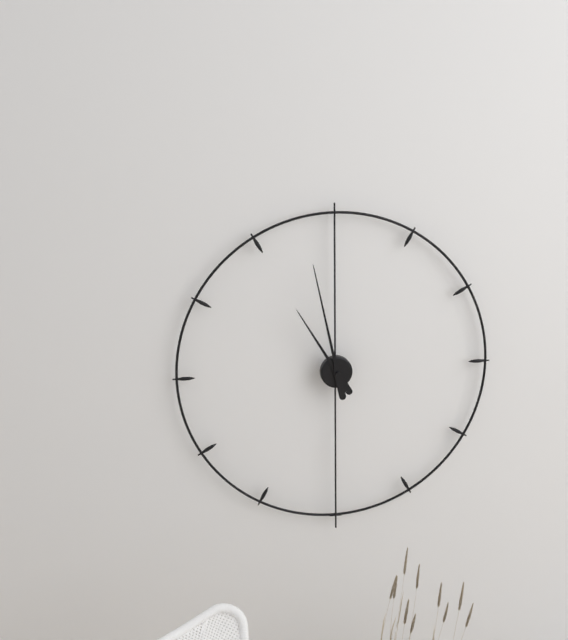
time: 10:58
